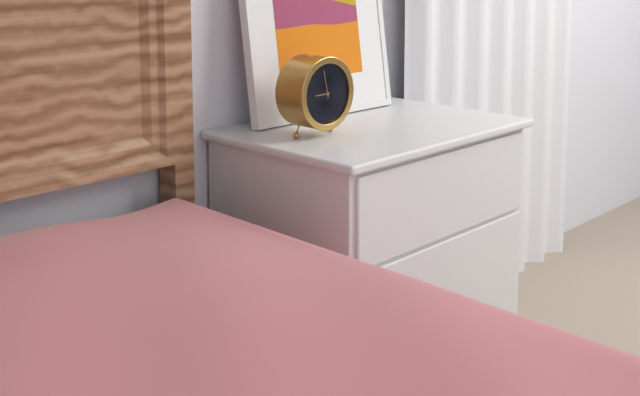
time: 8:58
